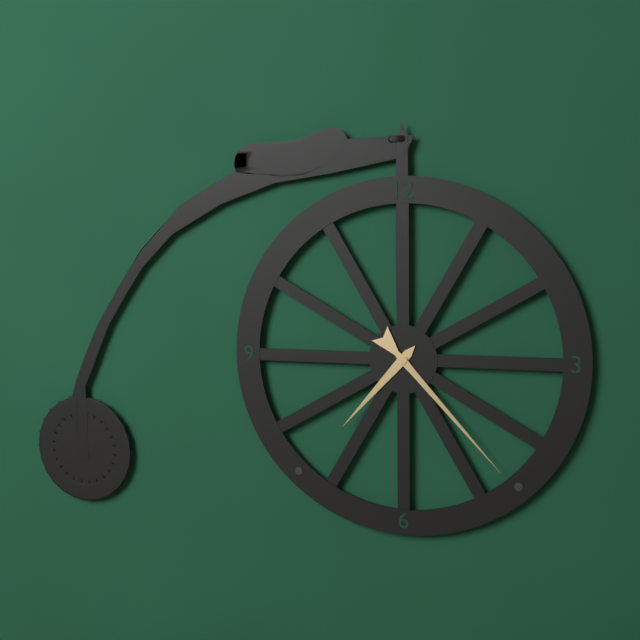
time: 7:23
